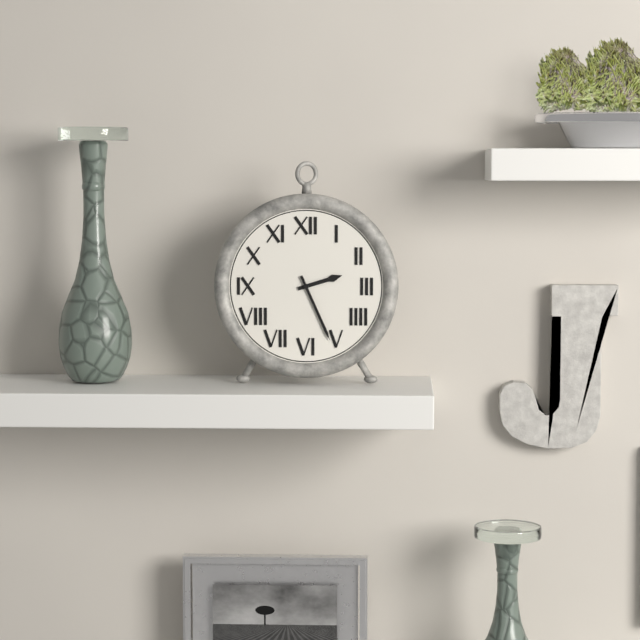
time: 2:26
